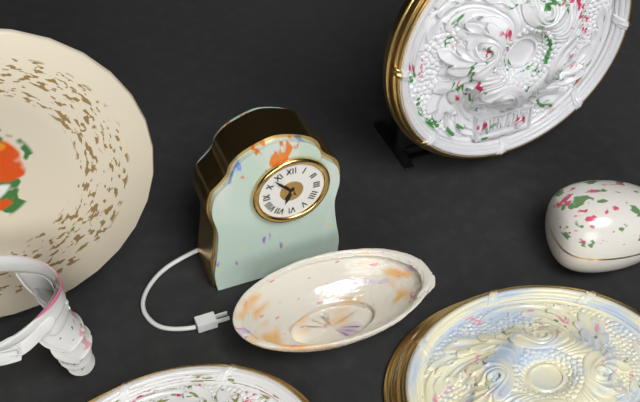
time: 6:53
